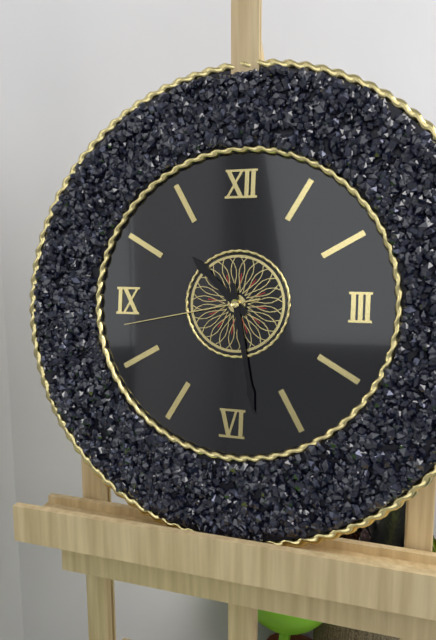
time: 10:28:43
